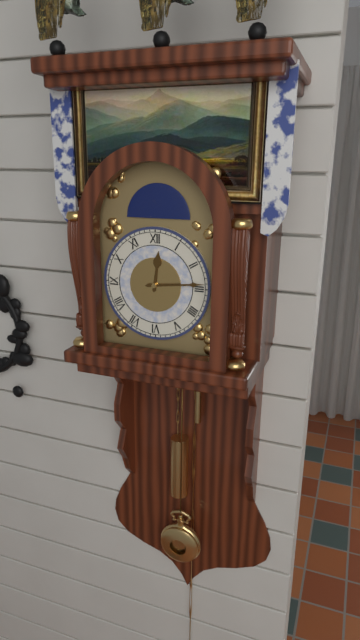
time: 12:14
